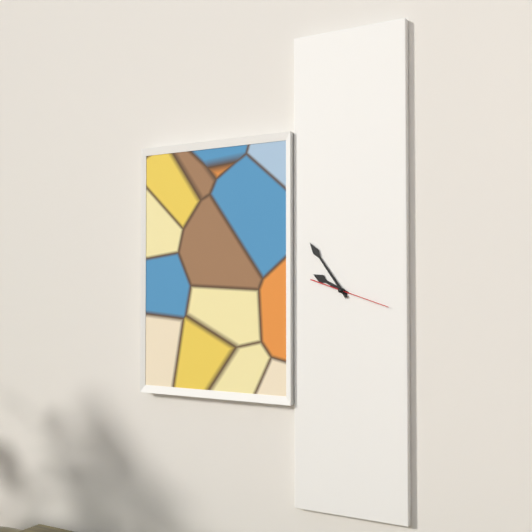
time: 9:54:18
